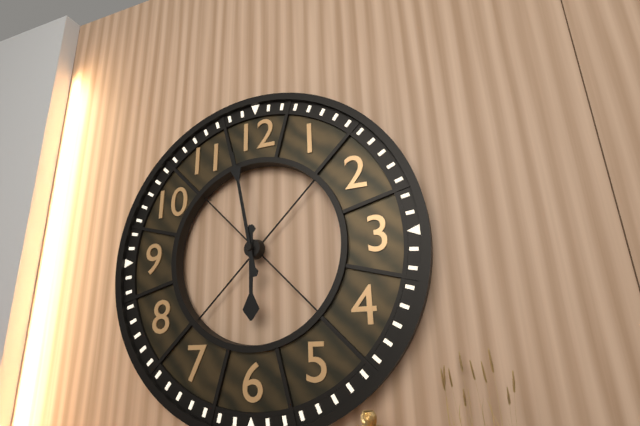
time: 5:58
